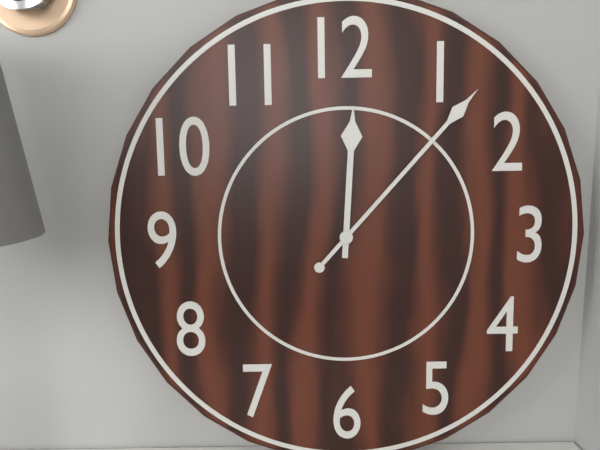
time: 12:07
